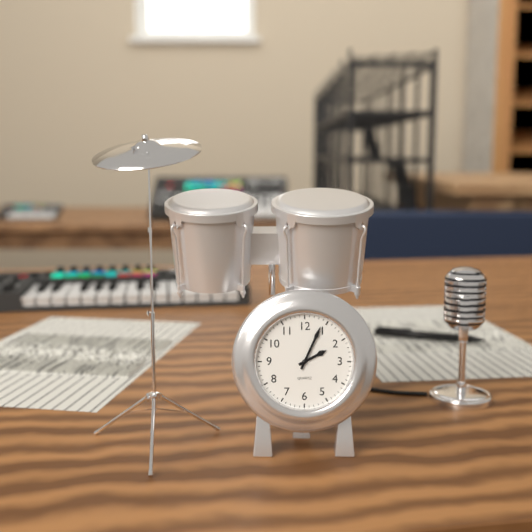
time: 2:04
